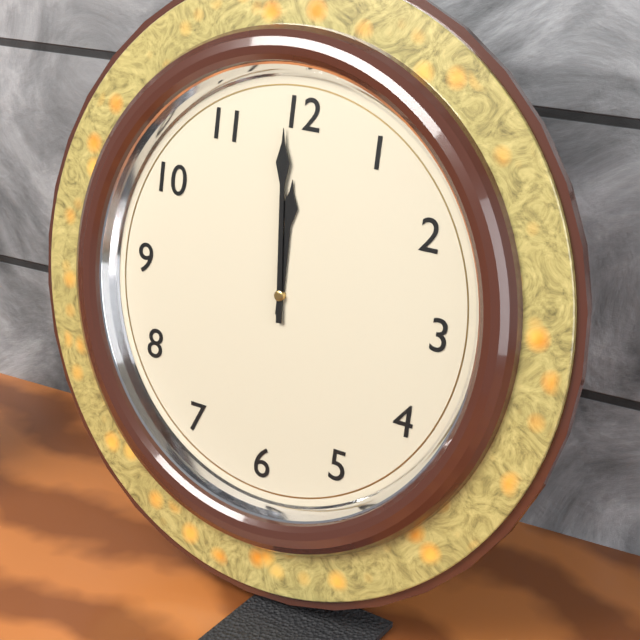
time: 11:59
